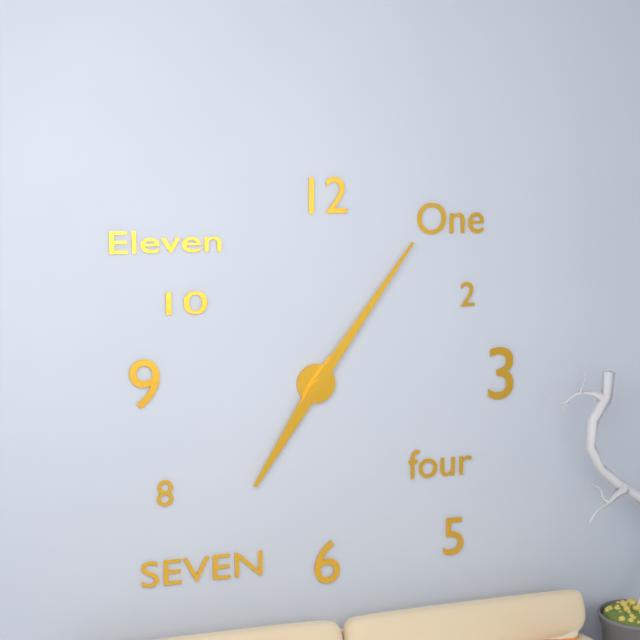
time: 7:06
